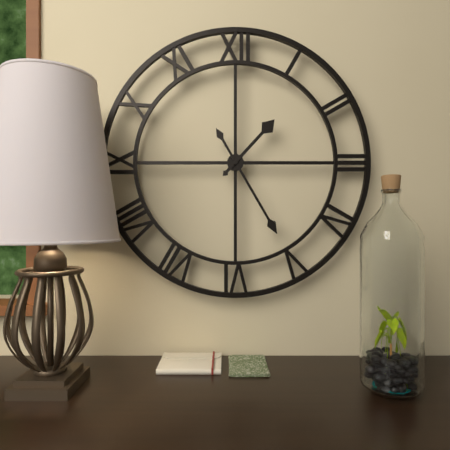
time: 1:25
